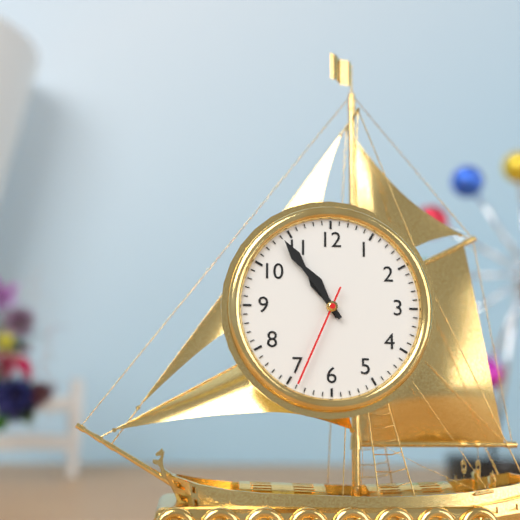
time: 10:54:34
